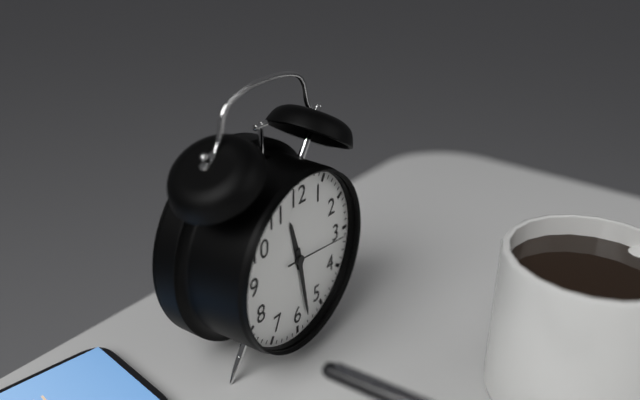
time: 11:28:16
